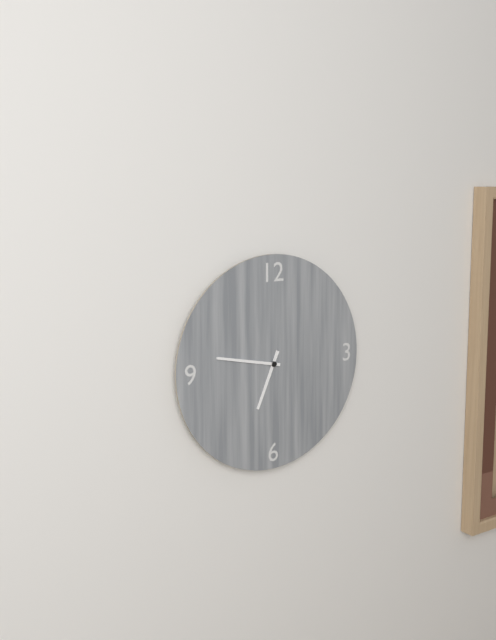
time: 6:47
